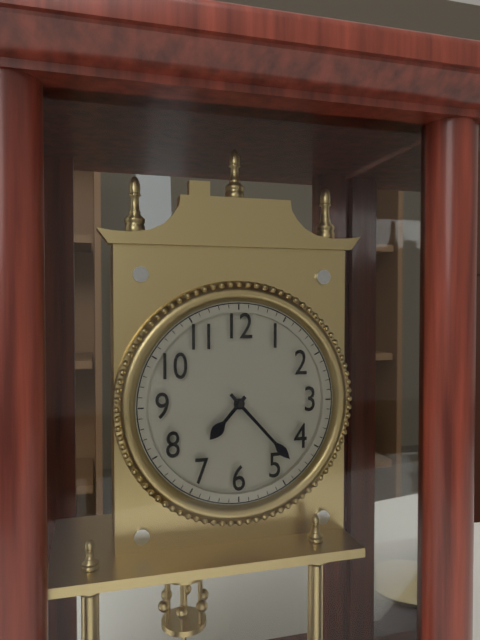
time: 7:23
